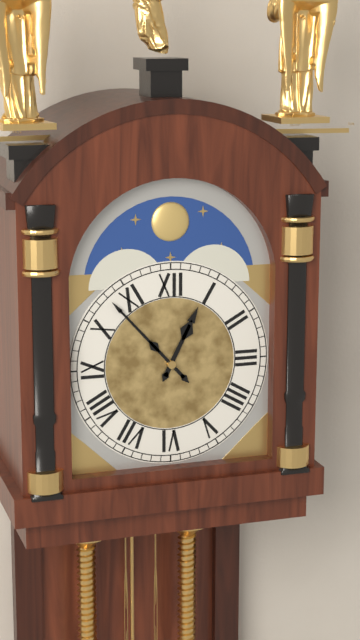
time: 12:53
